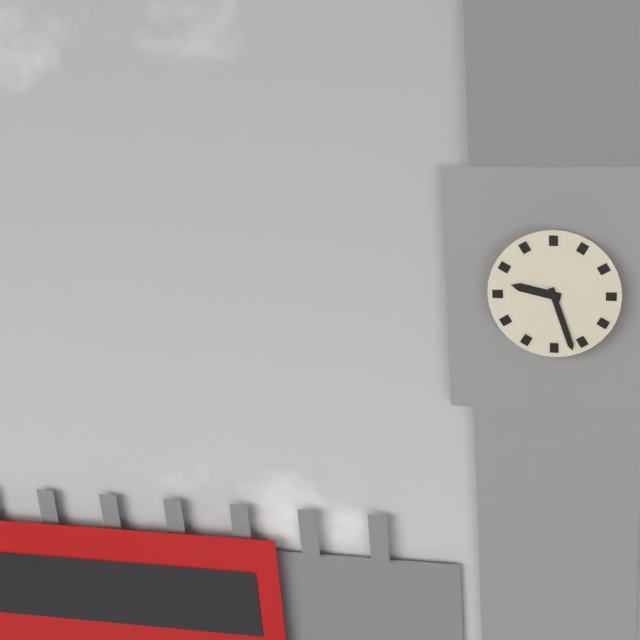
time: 9:27
